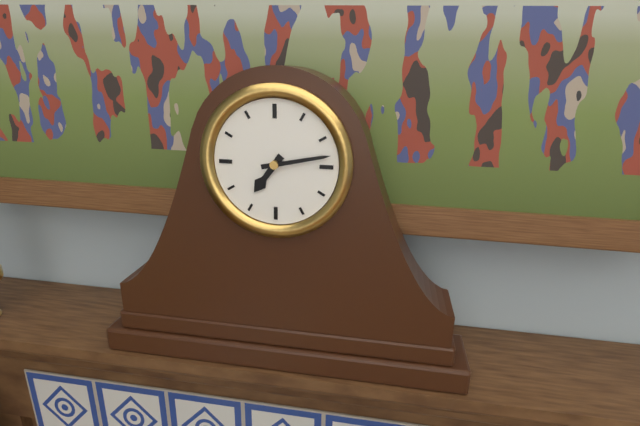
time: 7:13
